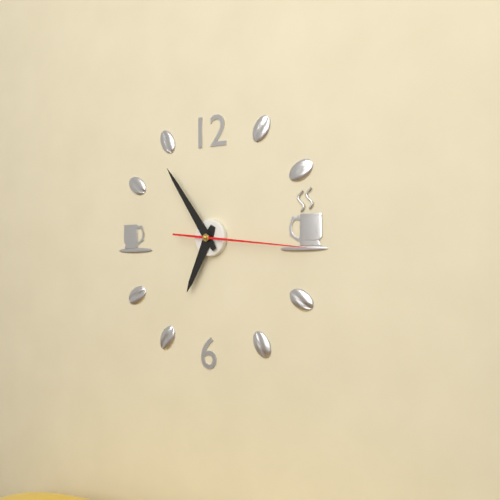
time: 6:54:16
